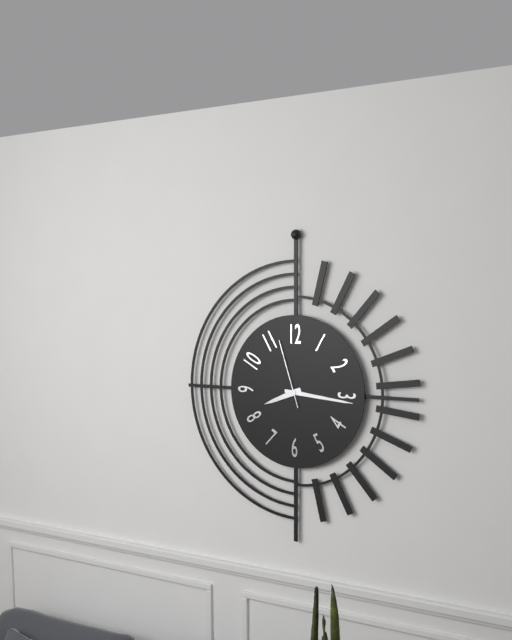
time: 8:16:57
